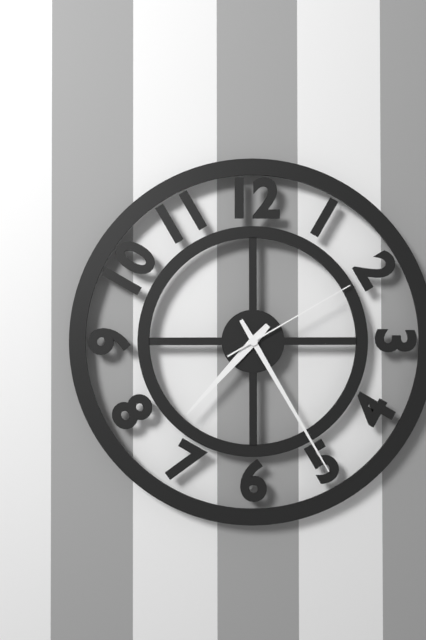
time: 7:25:10
